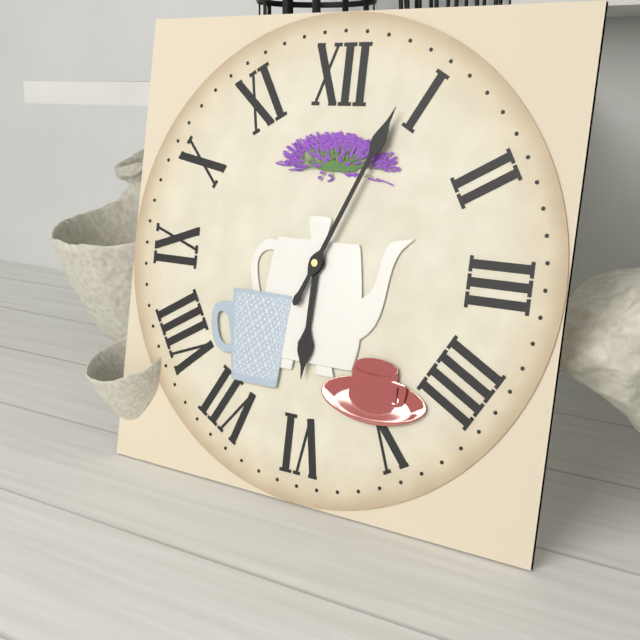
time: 6:04
